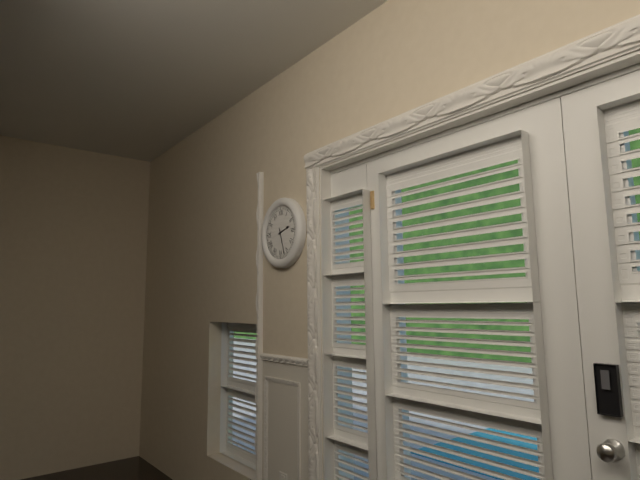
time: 2:27
